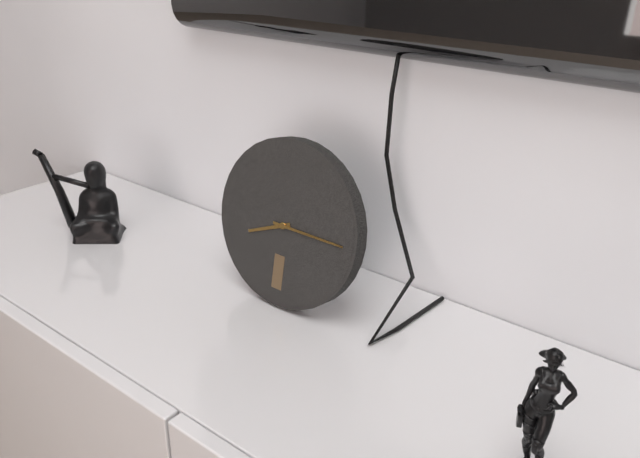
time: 8:15
